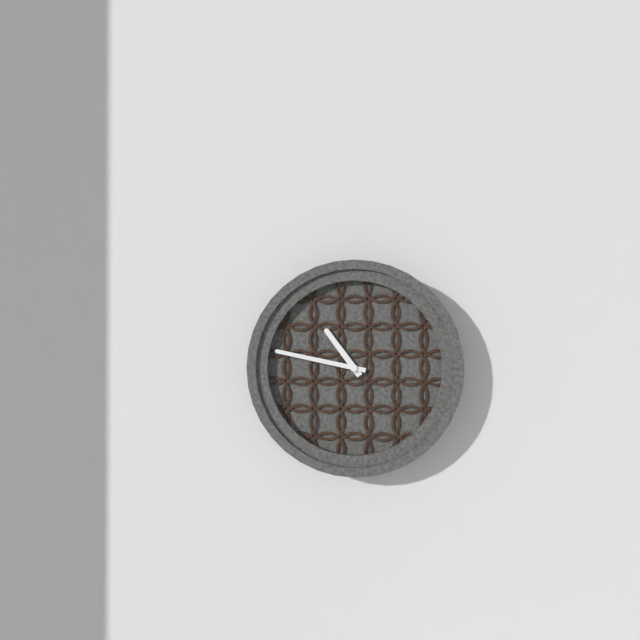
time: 10:47
